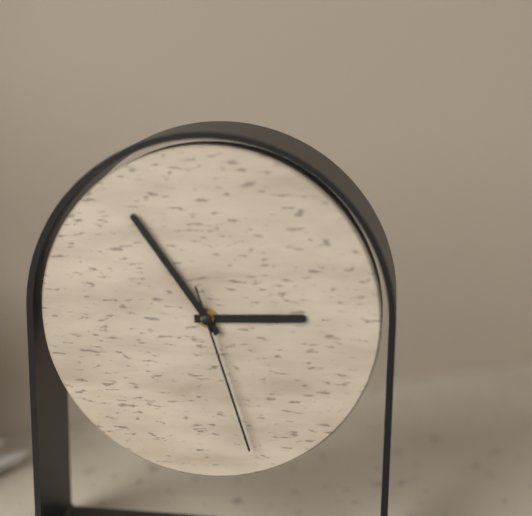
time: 2:54:27
